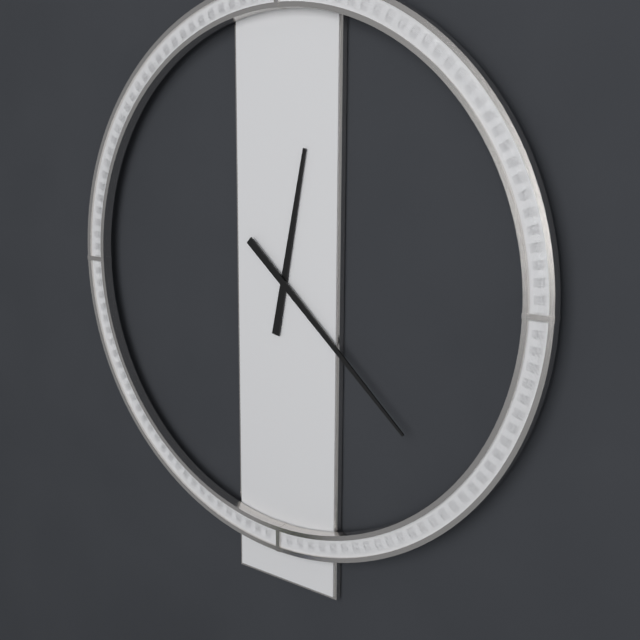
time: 12:22
